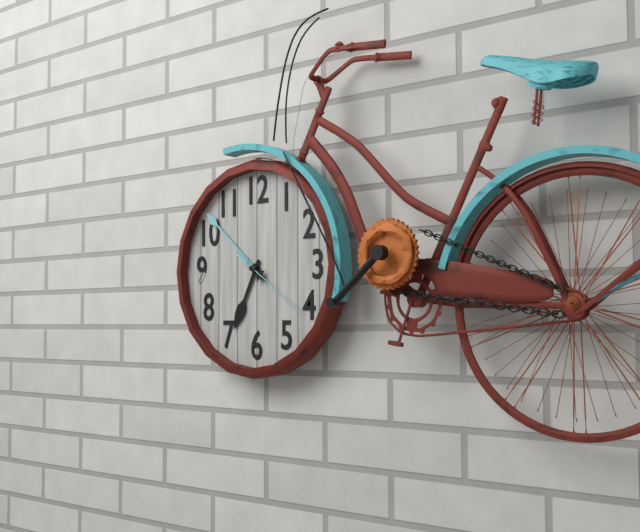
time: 6:52:21
